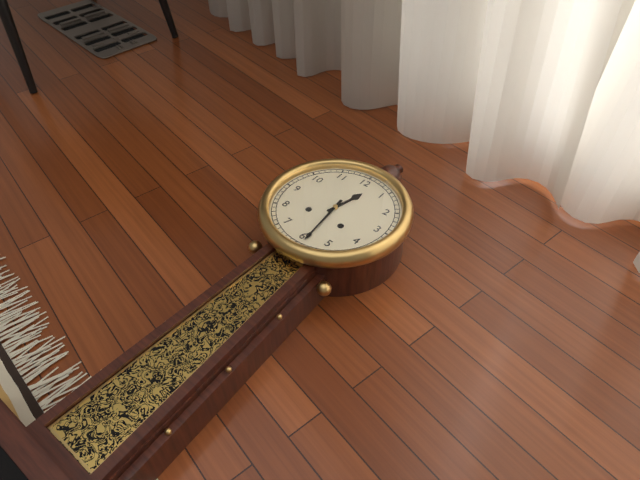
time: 12:29
